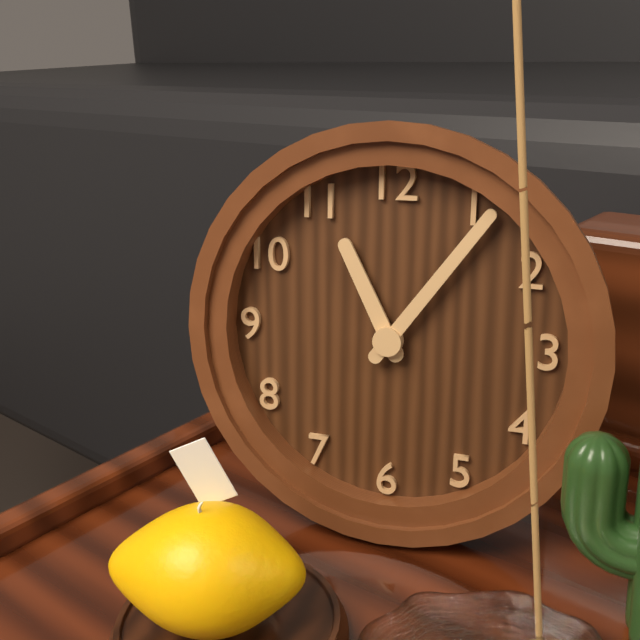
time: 11:06
